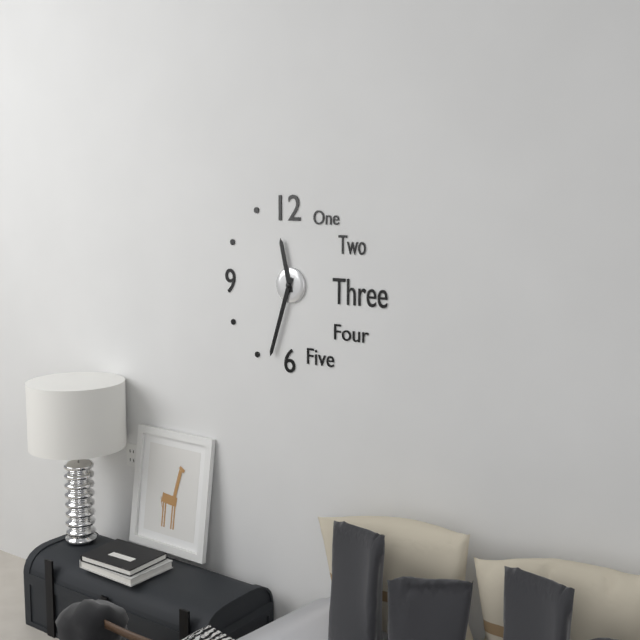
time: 11:33
